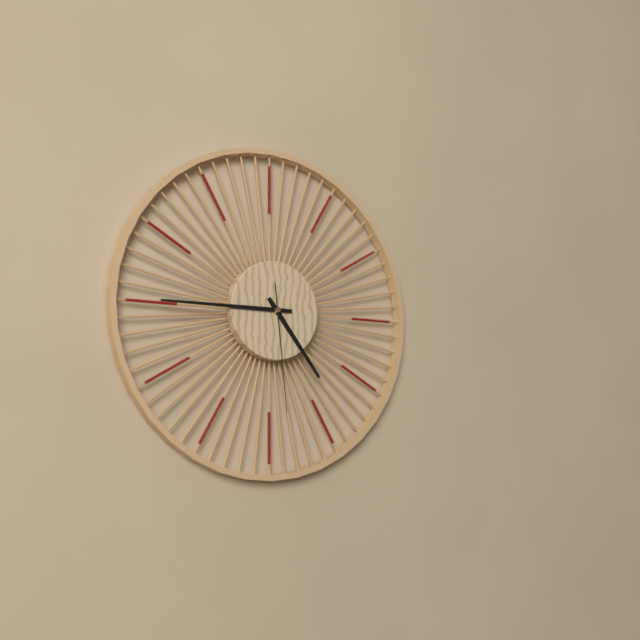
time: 4:45:29
